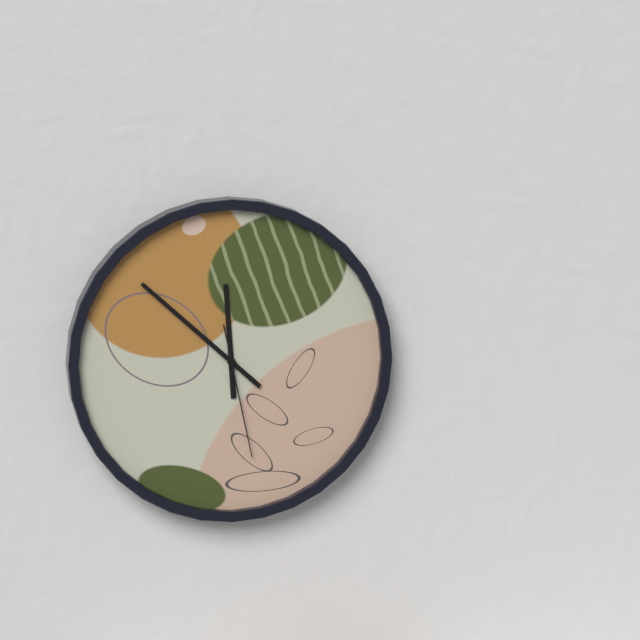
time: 11:52:28
